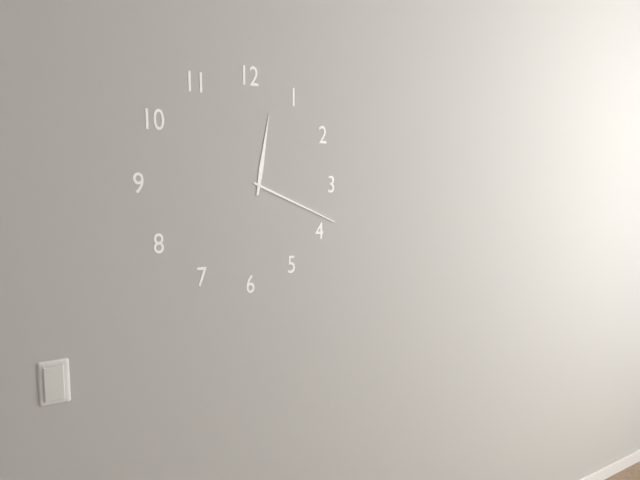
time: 12:19
